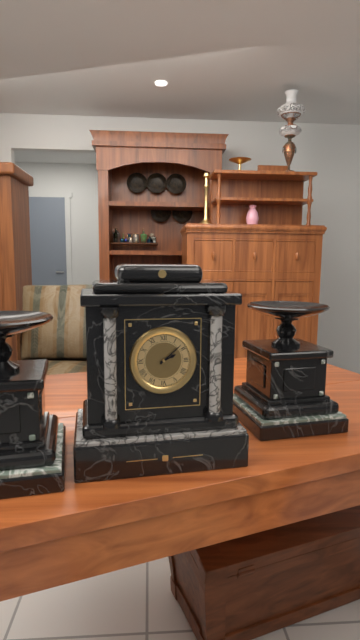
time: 2:08
